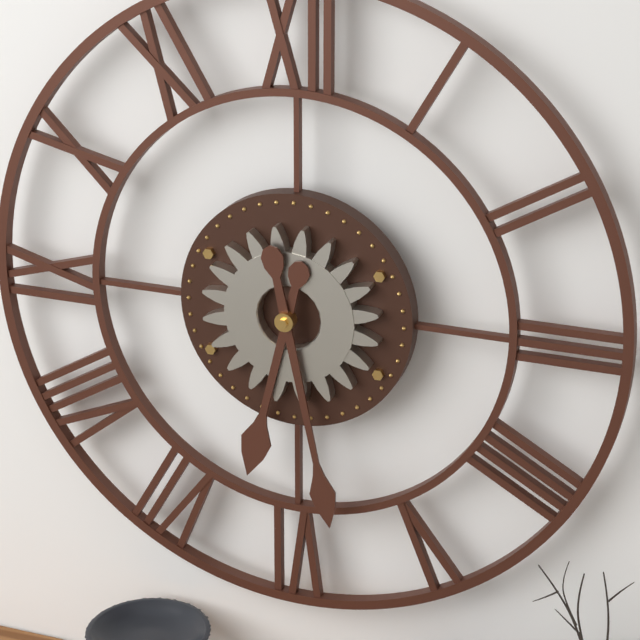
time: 6:28
